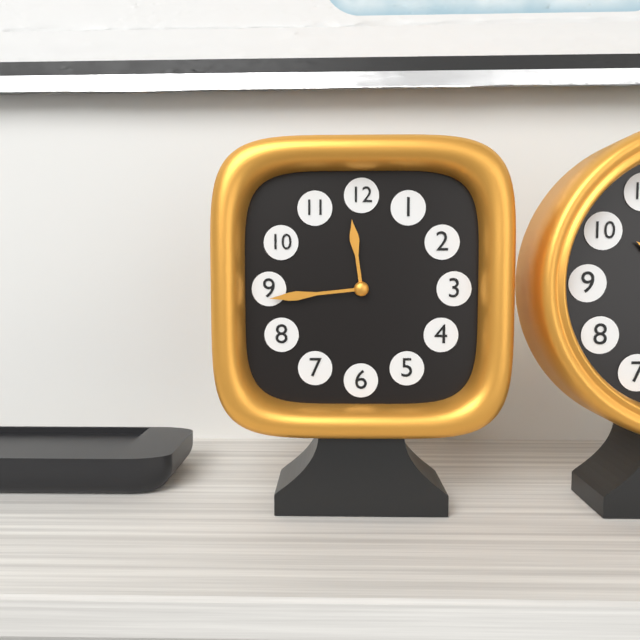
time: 11:44
